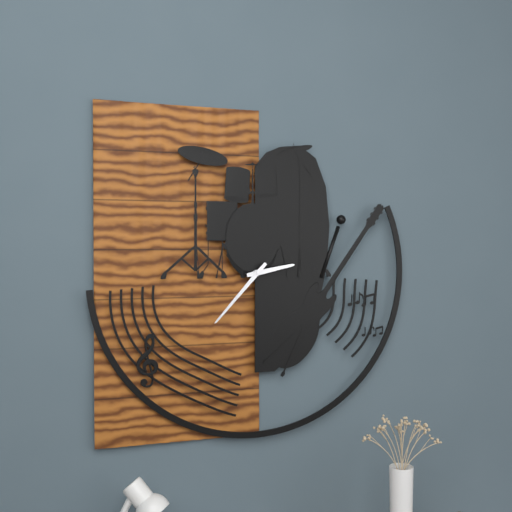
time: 2:37
